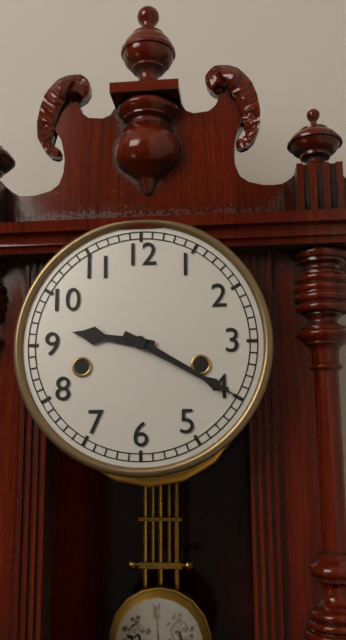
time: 9:20
